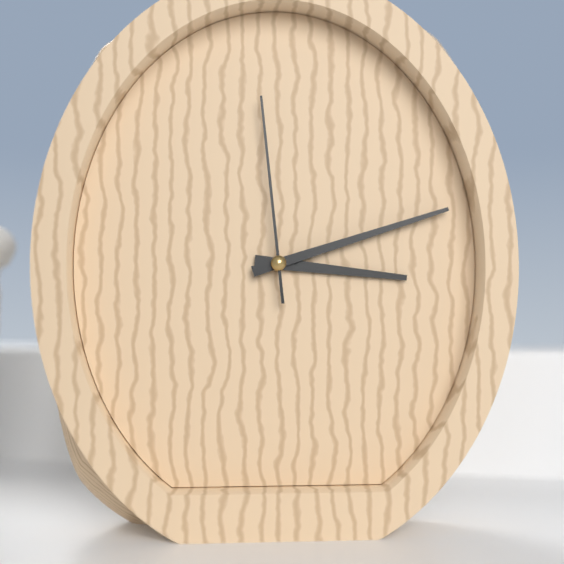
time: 3:12:59
